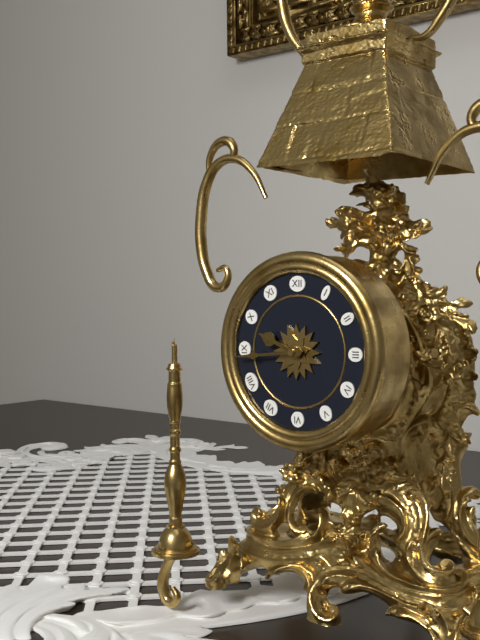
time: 9:44
